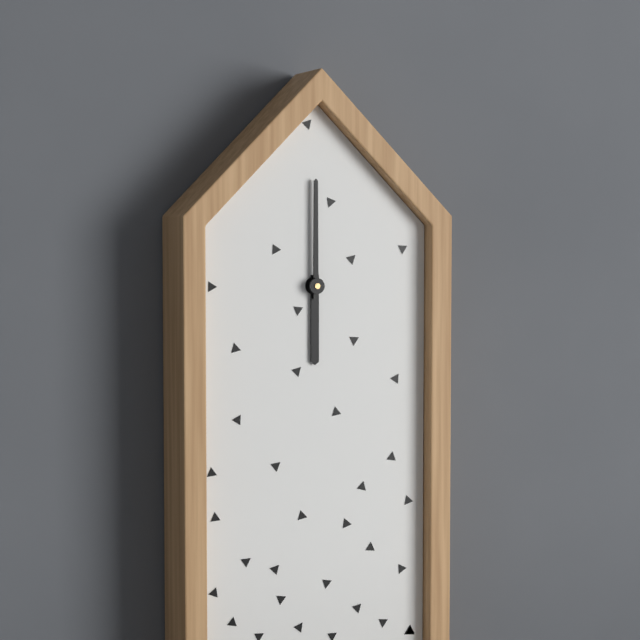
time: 6:00
